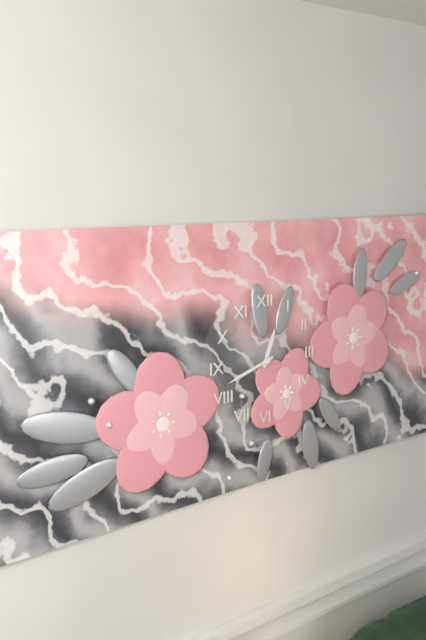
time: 12:42
